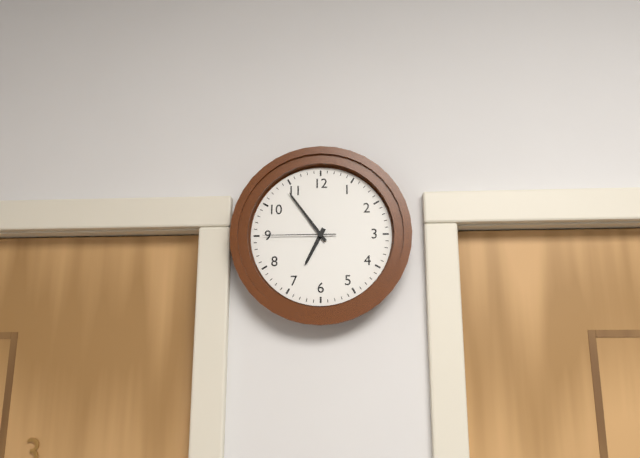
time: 6:54:45
